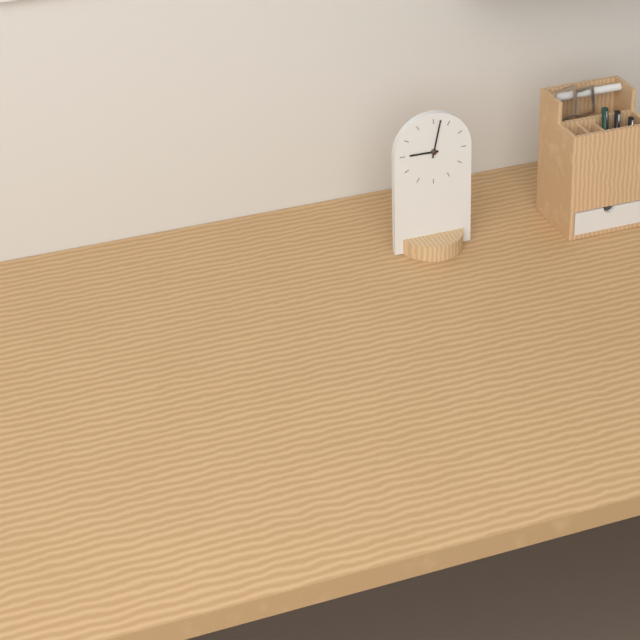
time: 9:02
